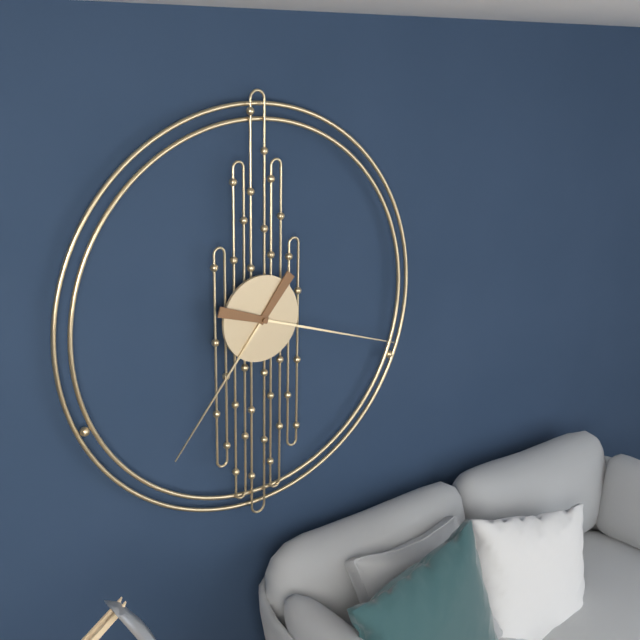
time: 7:18
